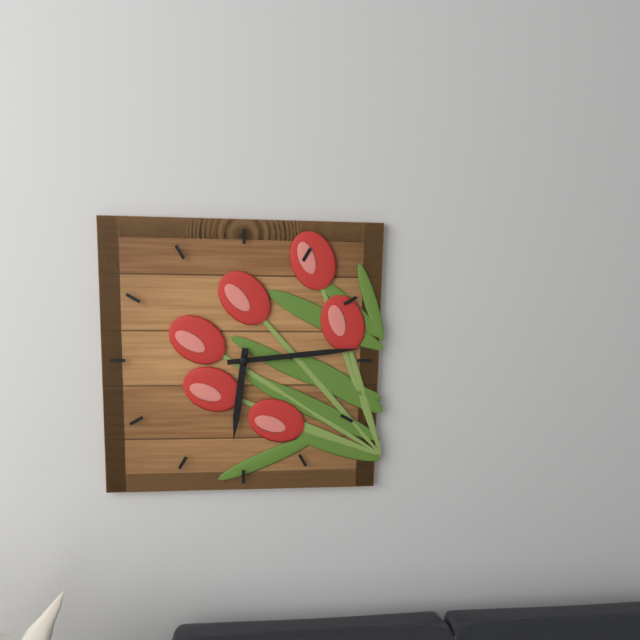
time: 6:14
